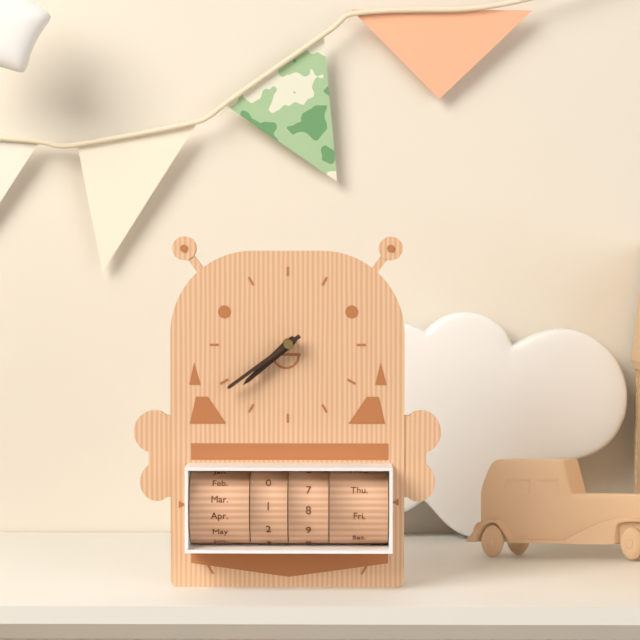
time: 7:38:39
